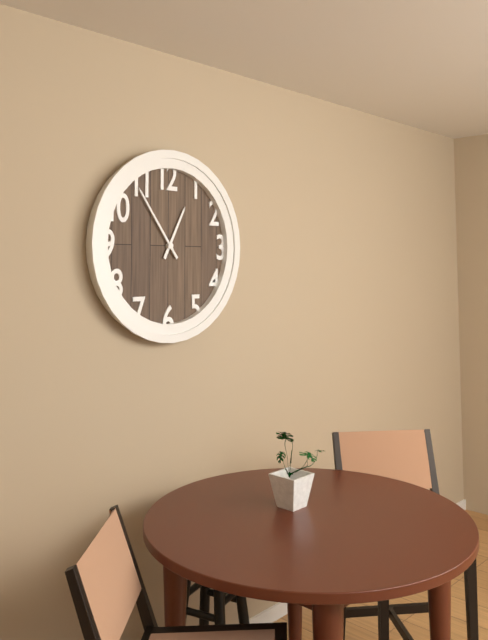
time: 12:54
